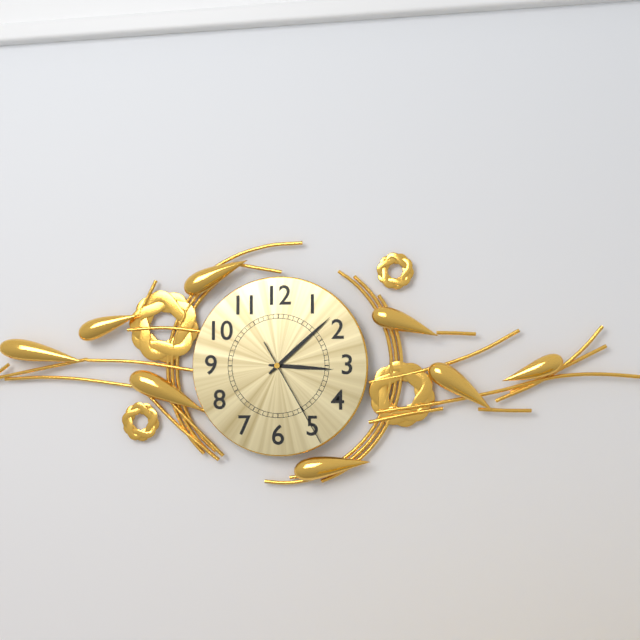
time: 3:08:25
